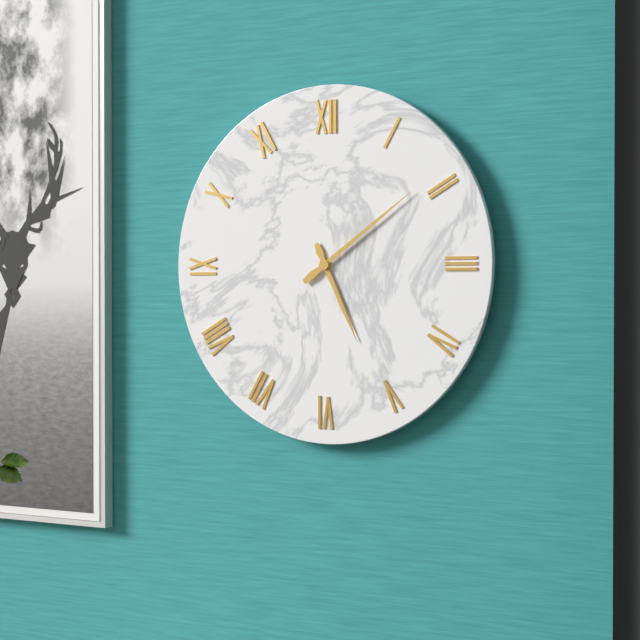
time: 5:09
